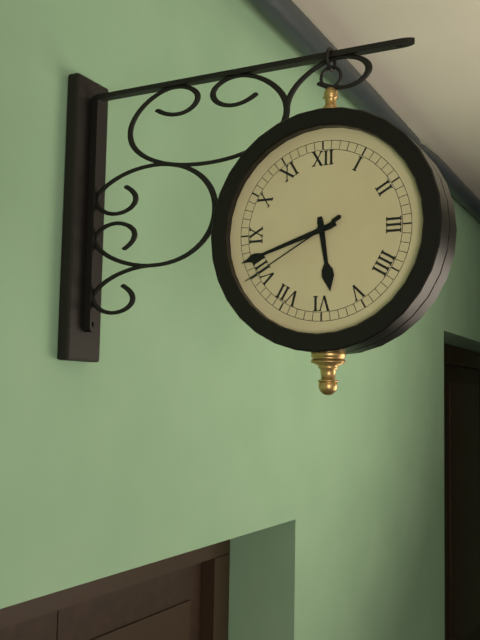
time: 5:42:40
